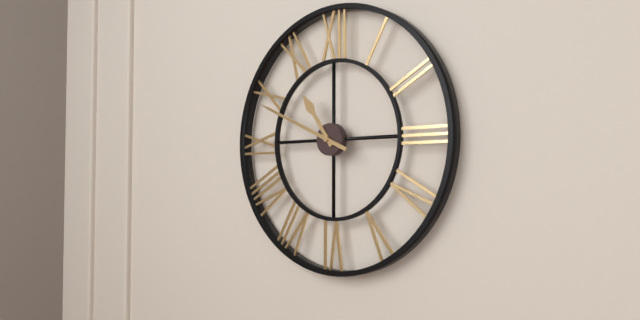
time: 10:49
